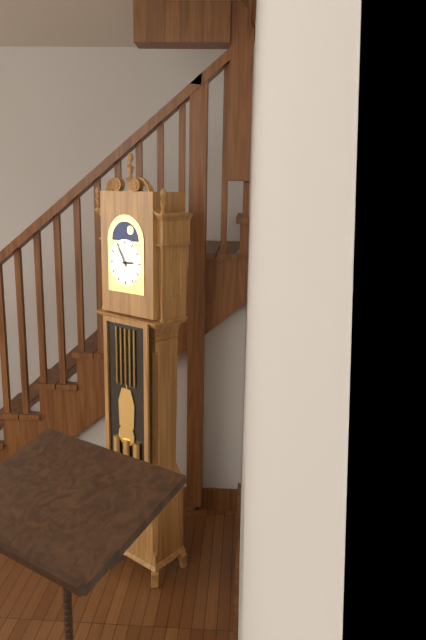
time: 2:55
